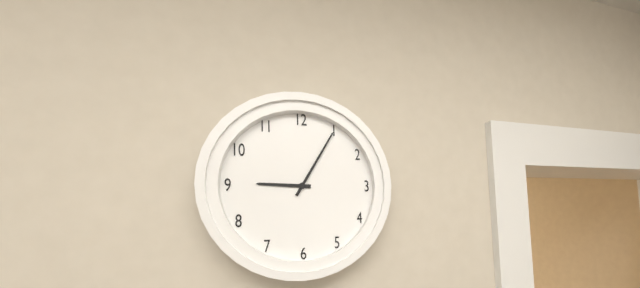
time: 9:05
